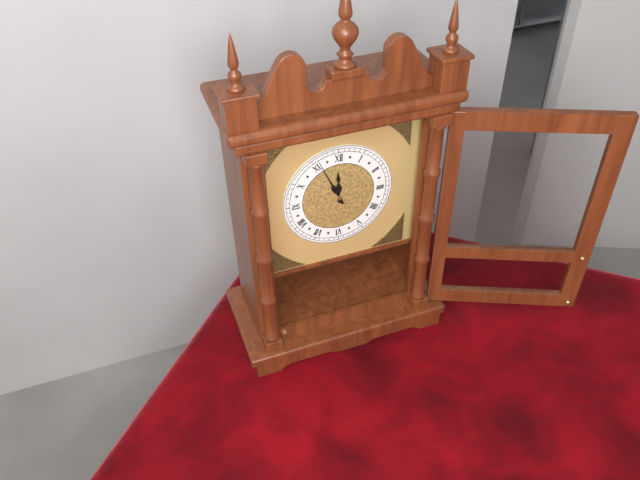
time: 11:56
